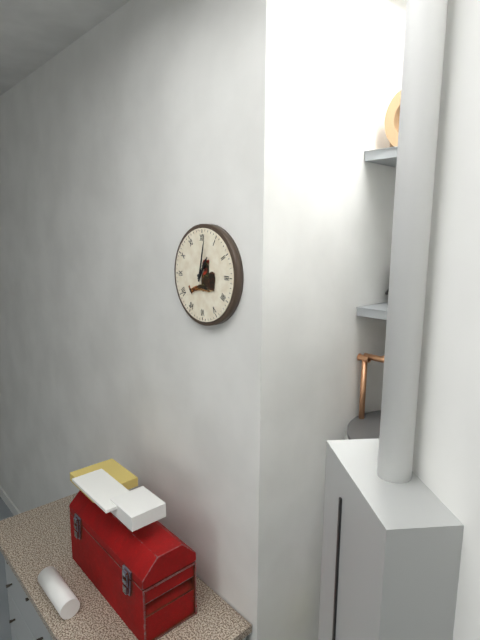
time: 1:02
